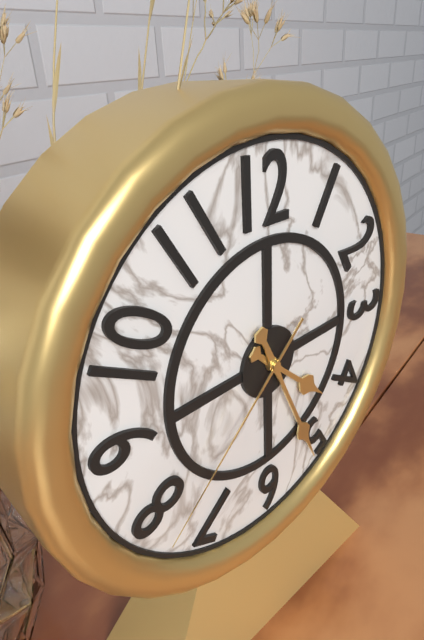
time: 4:26:38
